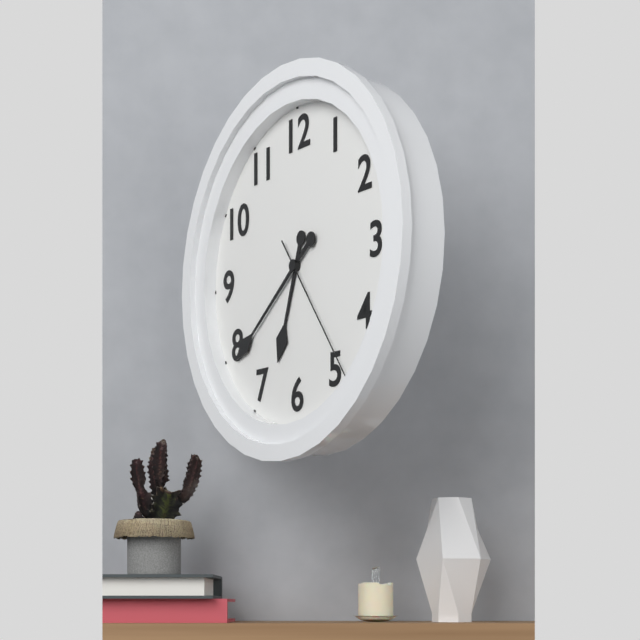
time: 6:39:24
